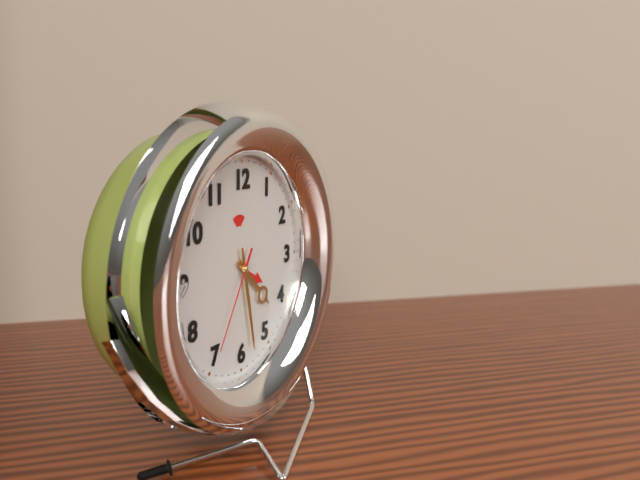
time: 4:28:35
